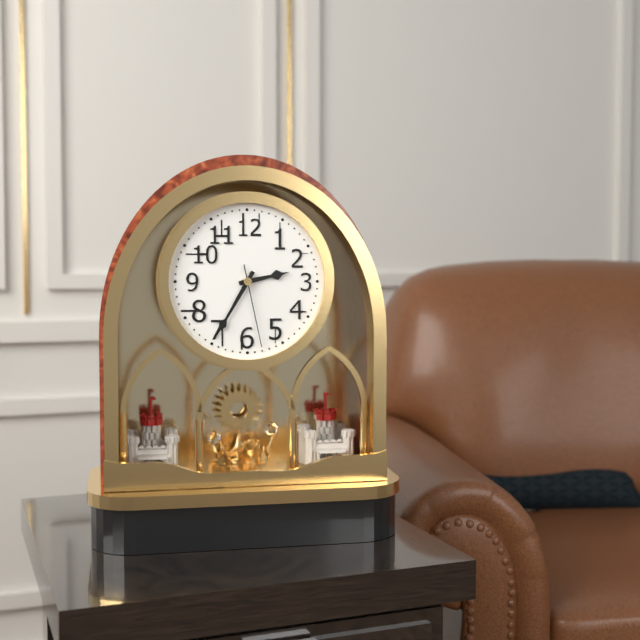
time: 2:35:28
